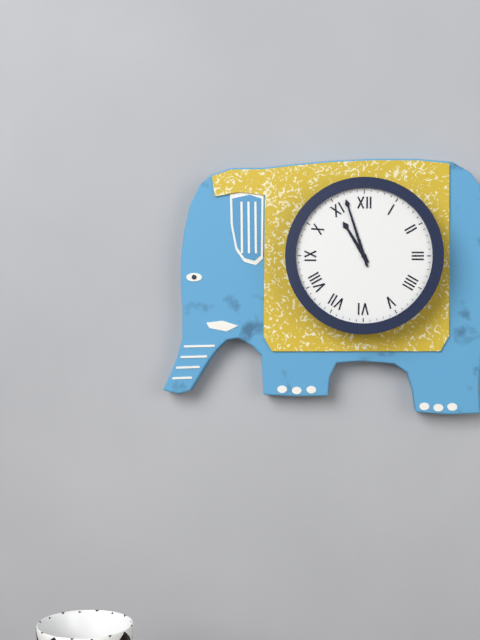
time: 10:57
